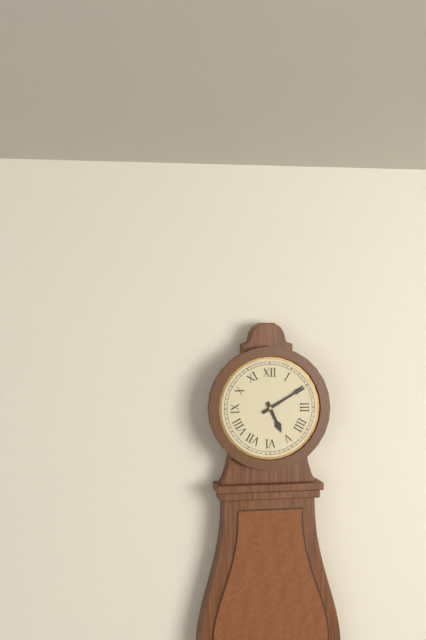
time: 5:10
